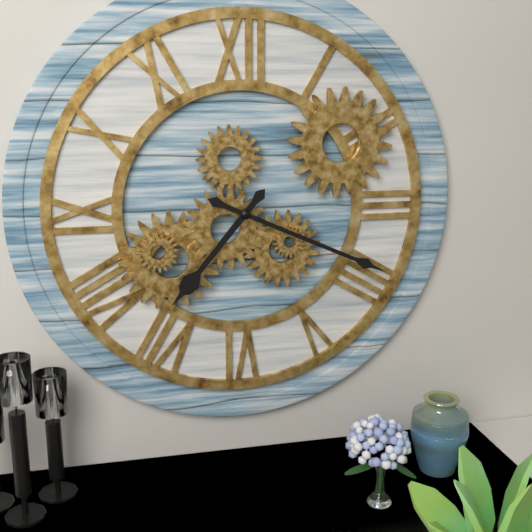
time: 7:19
